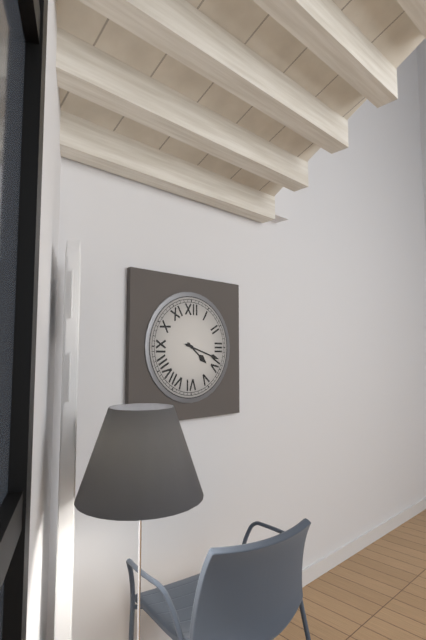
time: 4:18
